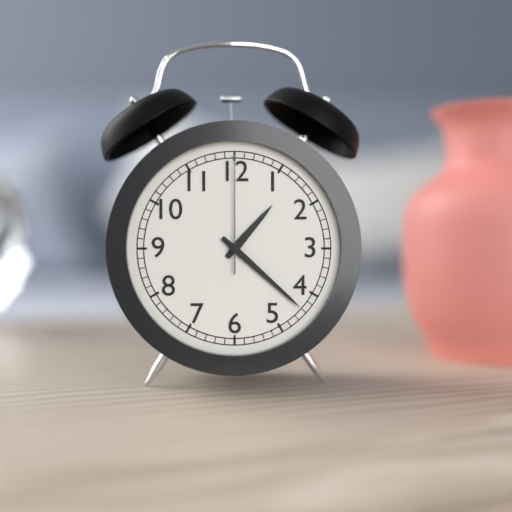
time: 1:22:00
